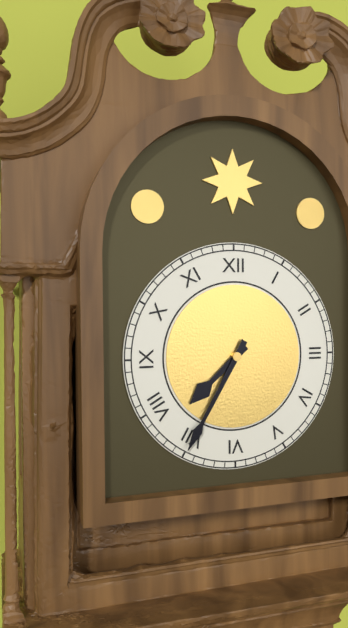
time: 7:35
